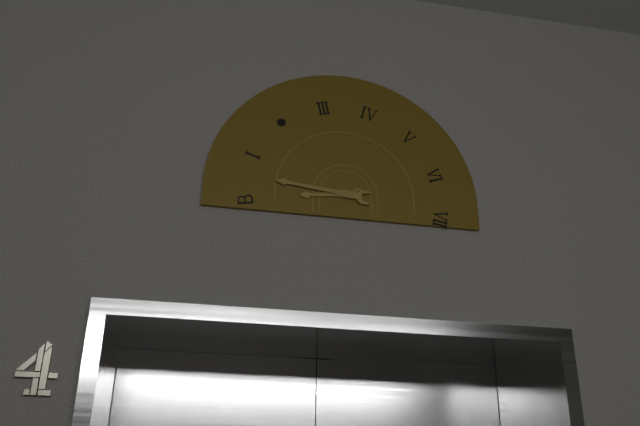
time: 8:46
